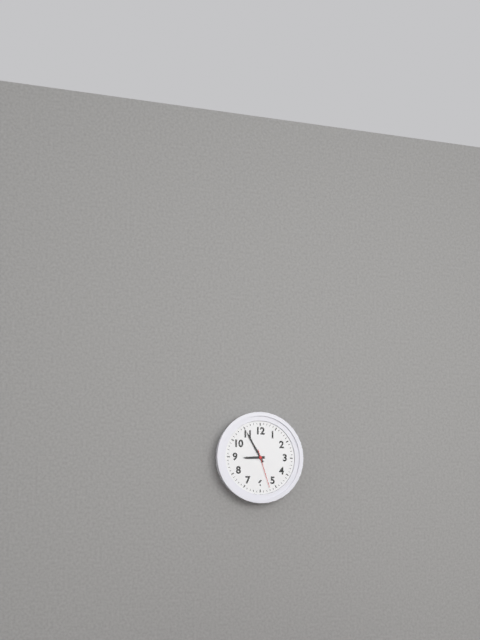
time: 8:55
